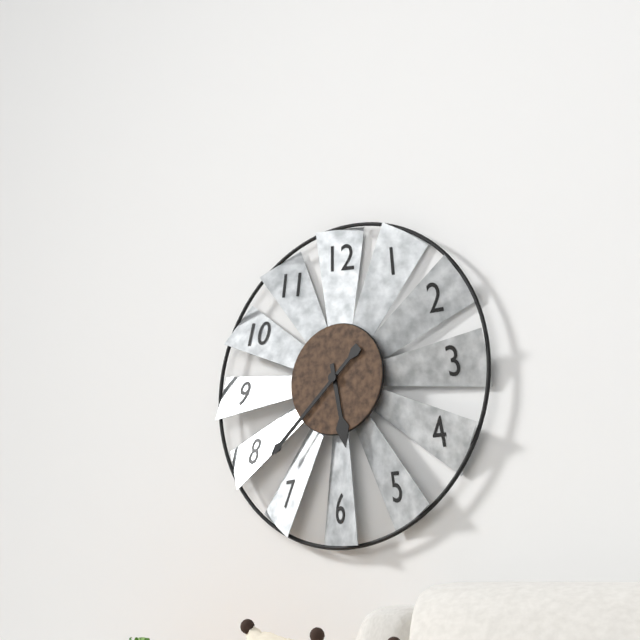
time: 5:38
